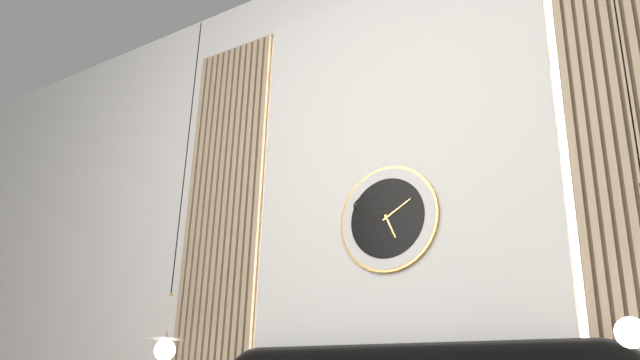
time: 5:10
